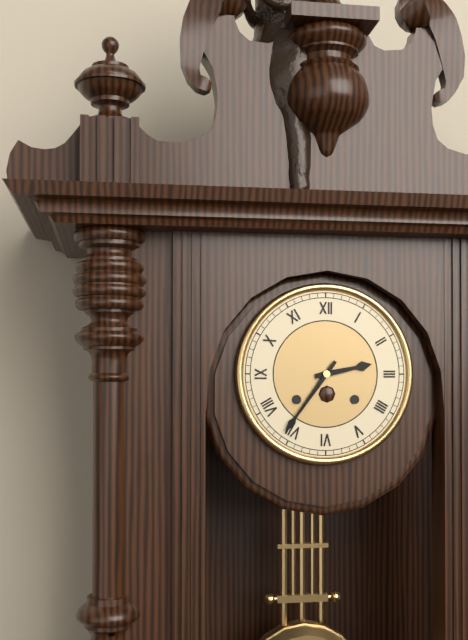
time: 2:36
